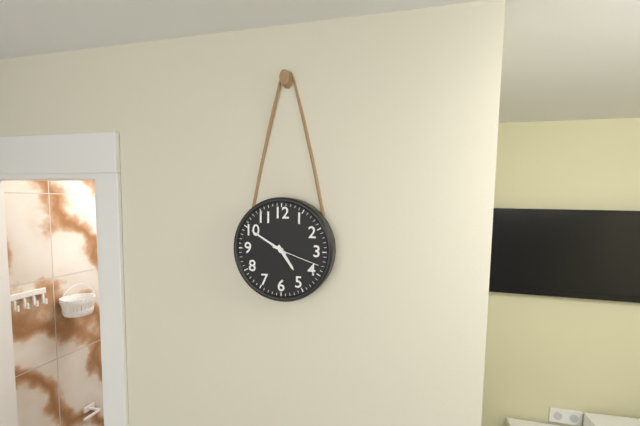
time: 4:50:18
